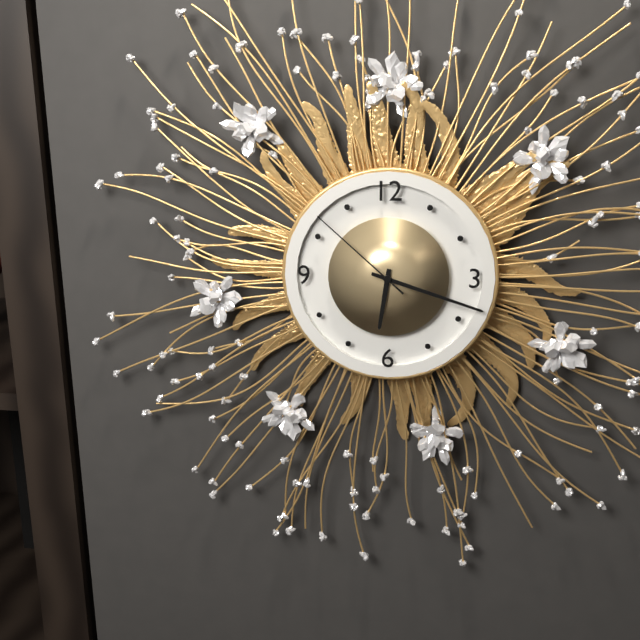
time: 6:18:52
